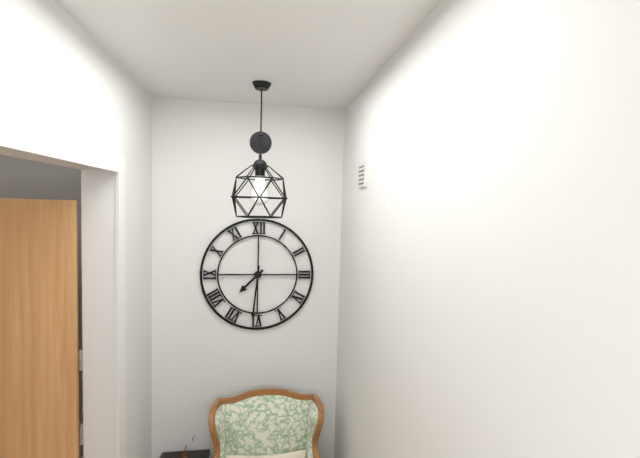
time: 7:31
